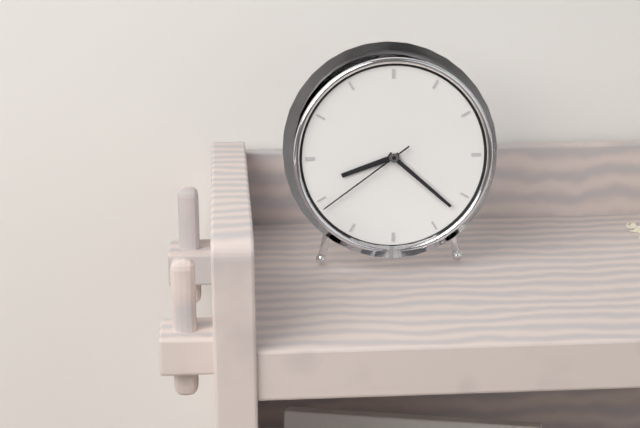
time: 8:22:39
